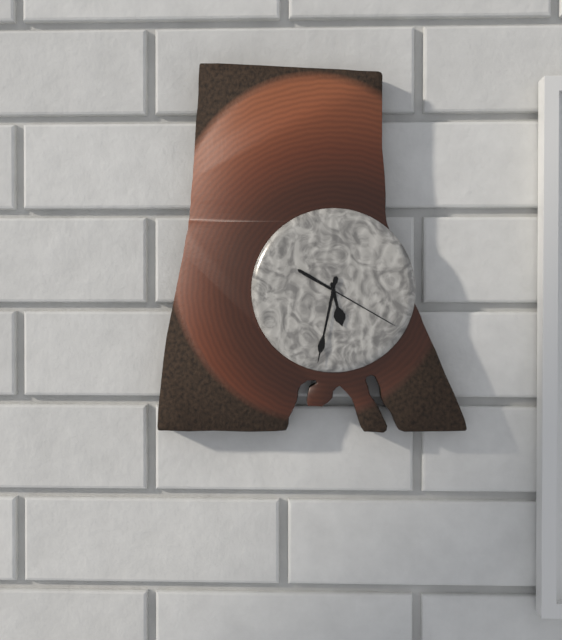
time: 5:32:20
